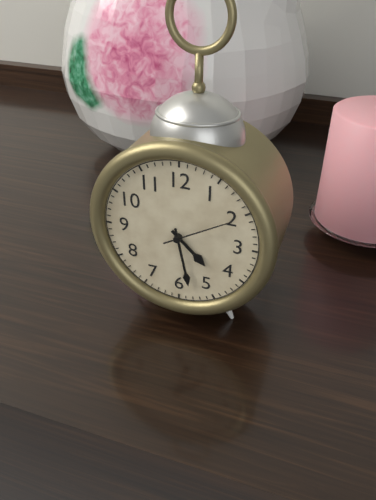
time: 4:28:10
